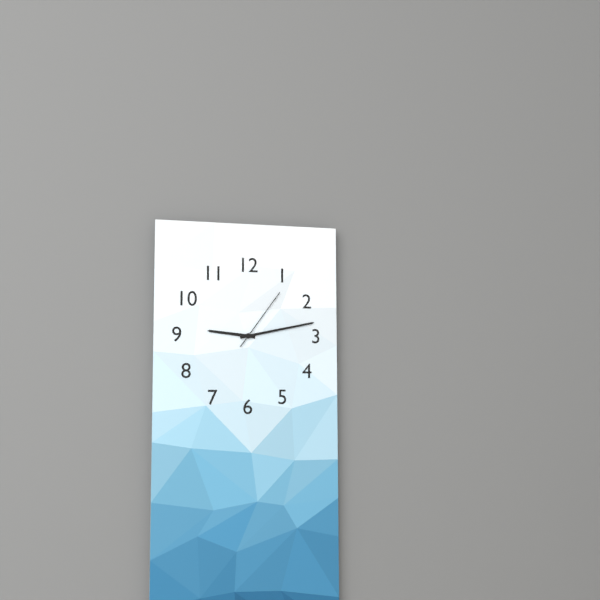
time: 9:13:06
